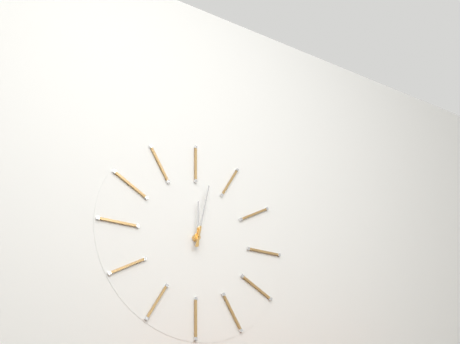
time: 12:02
